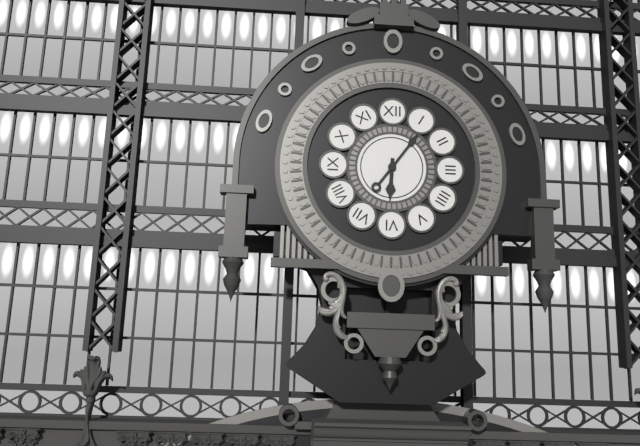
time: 6:06
